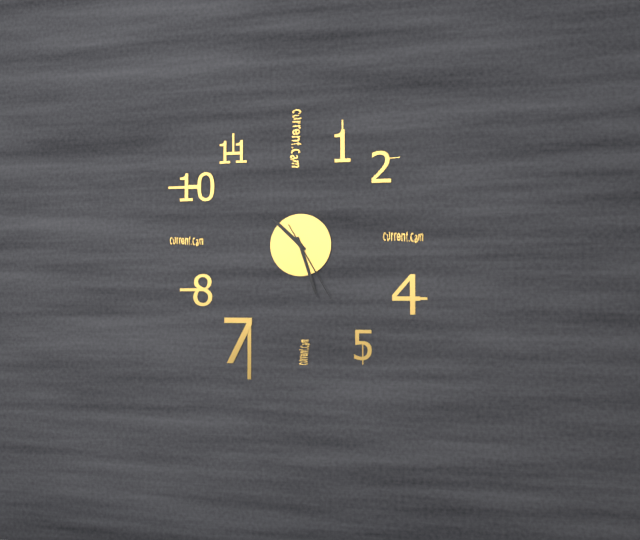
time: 10:27:25
